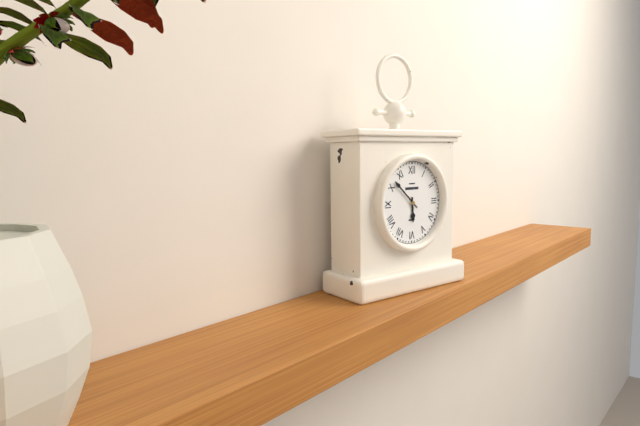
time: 5:52
